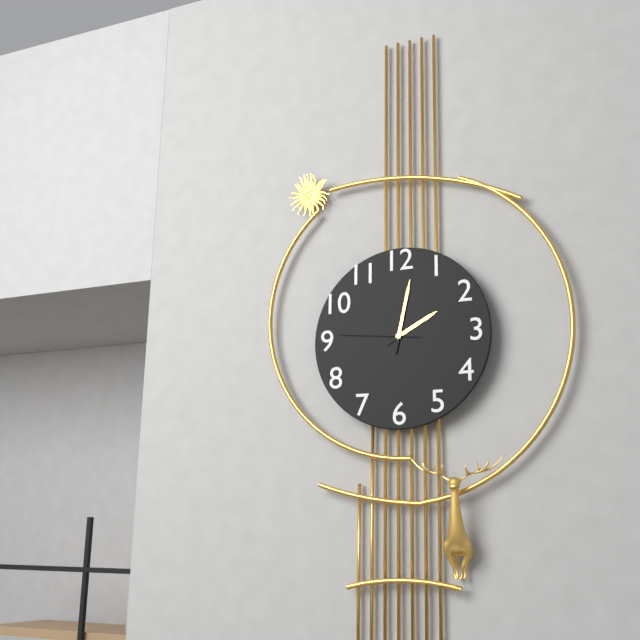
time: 2:02:46
